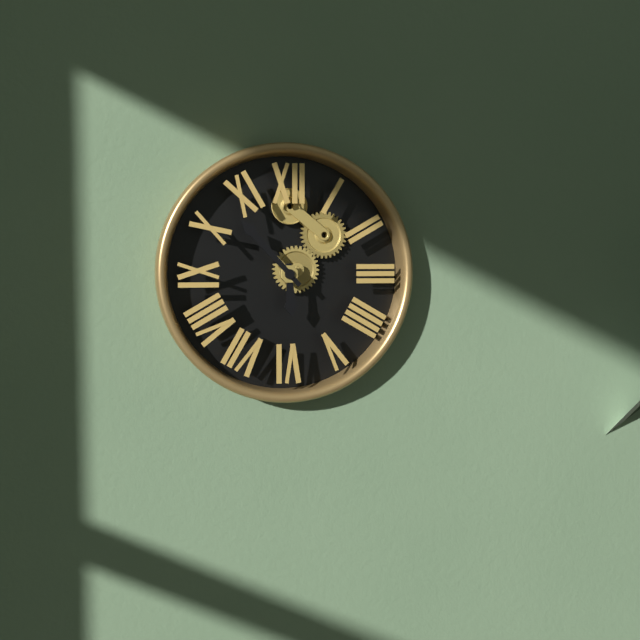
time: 5:53
